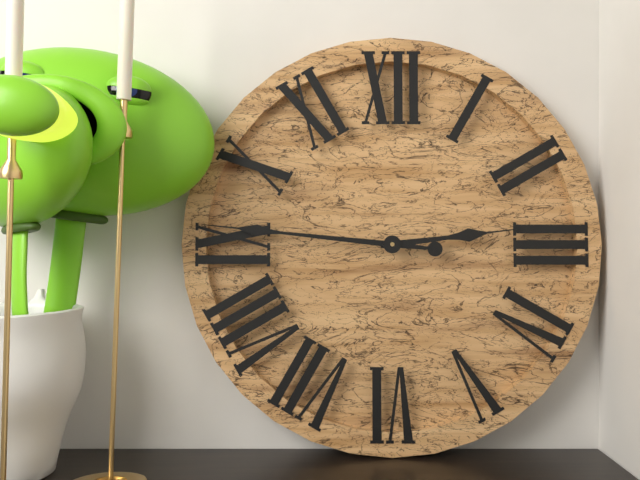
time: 2:46
